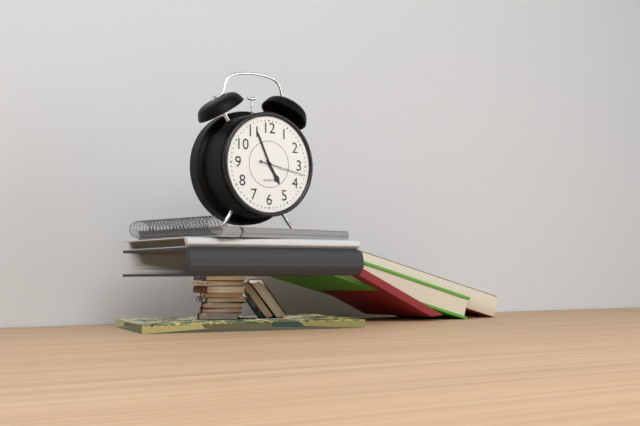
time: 4:56:17
